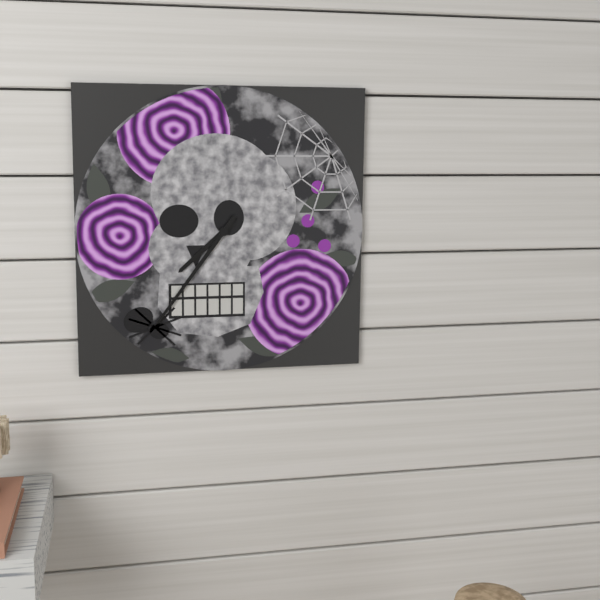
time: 7:36
